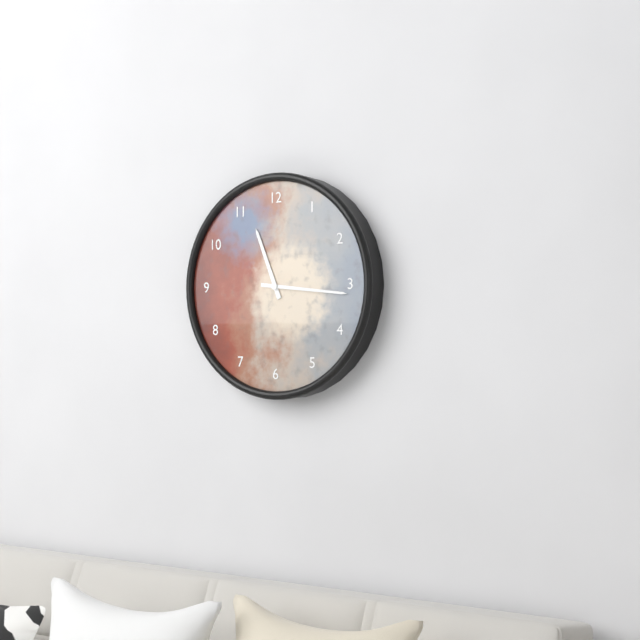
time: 11:16
